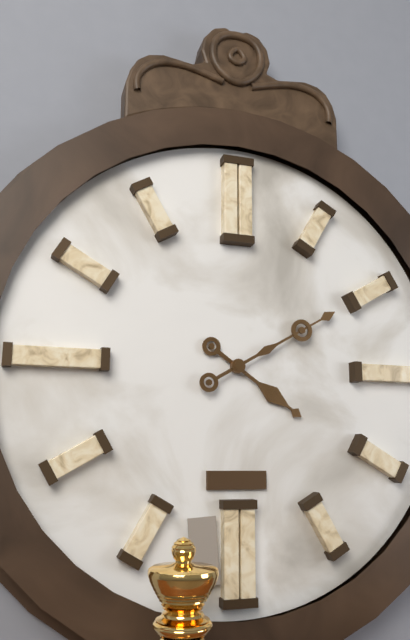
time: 4:10
